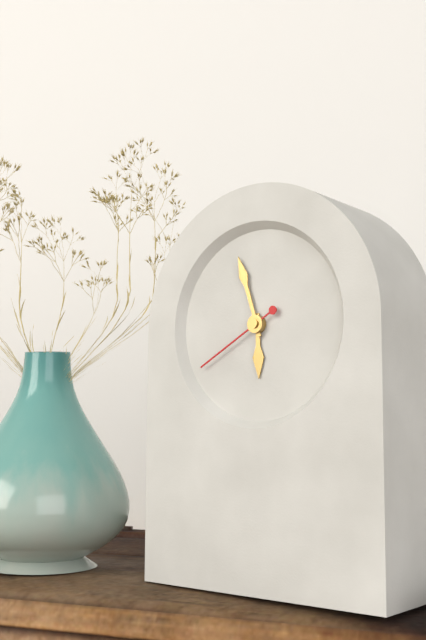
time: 5:57:40
